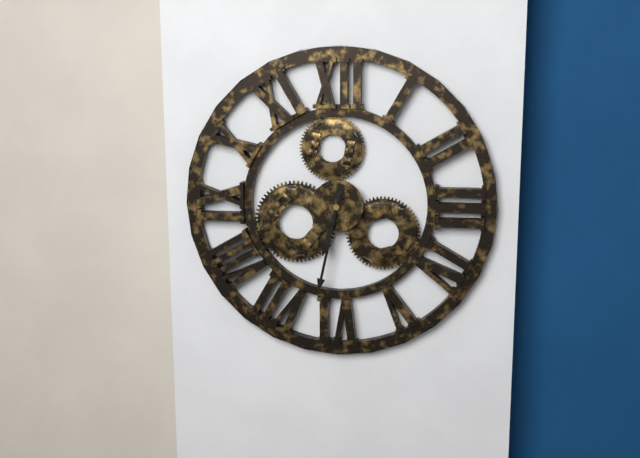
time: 6:32
